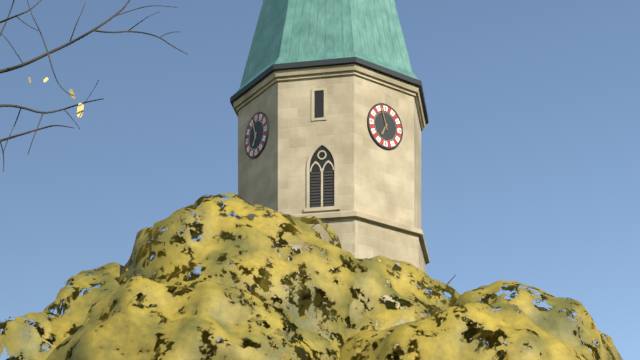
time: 6:57
